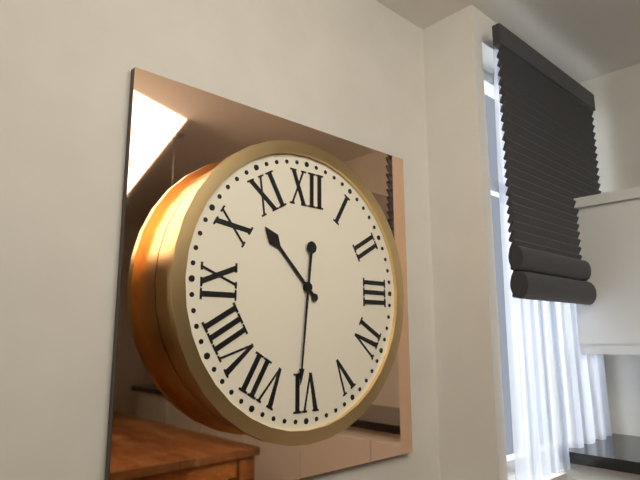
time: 10:31
